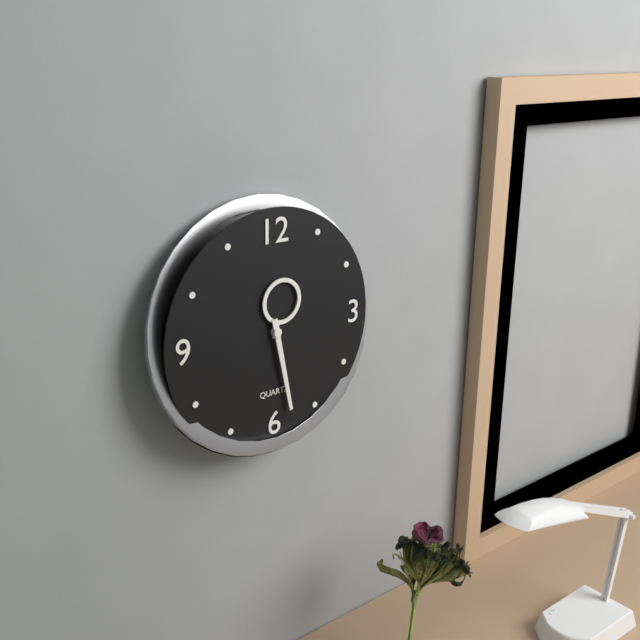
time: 12:28
